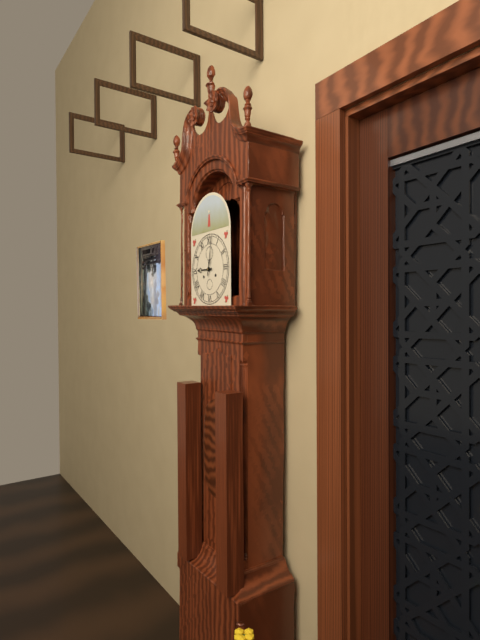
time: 9:02
